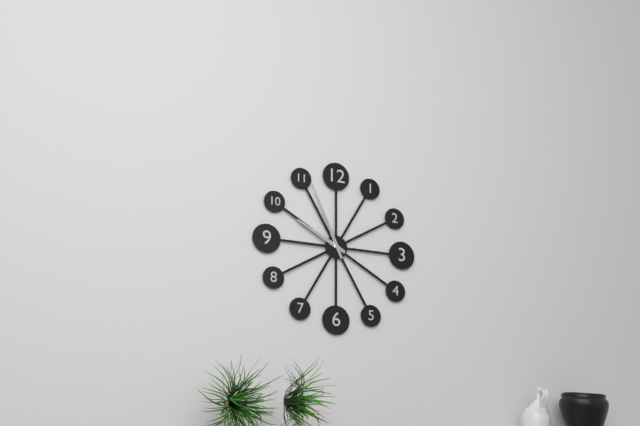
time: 9:56
